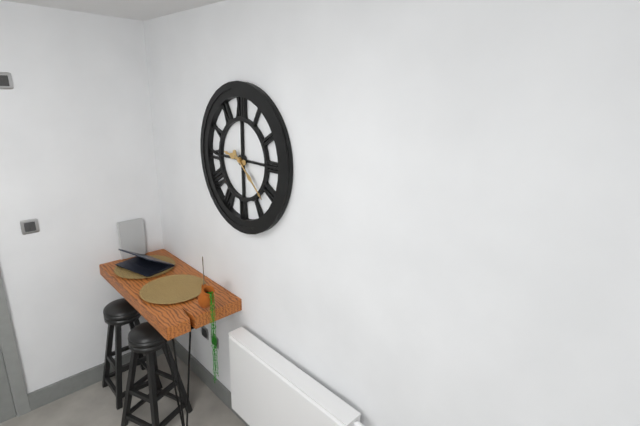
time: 9:22
